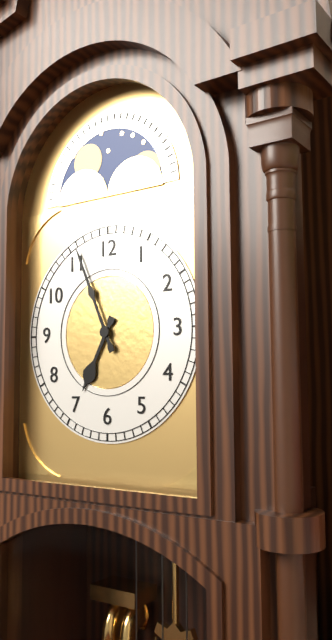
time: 6:56
